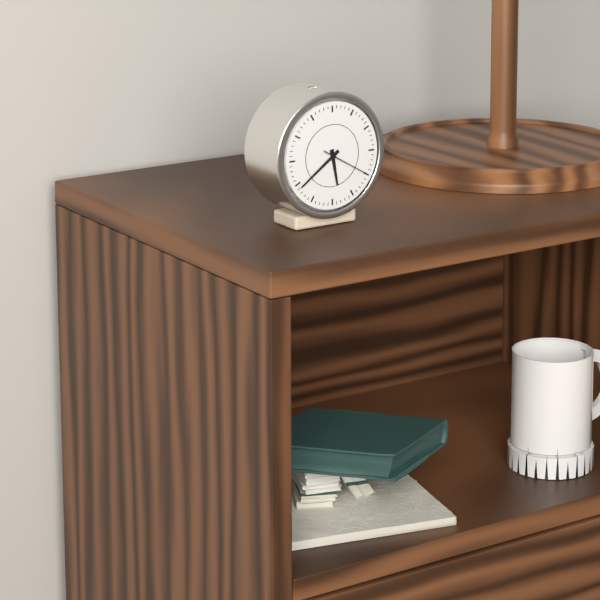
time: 5:39:20
